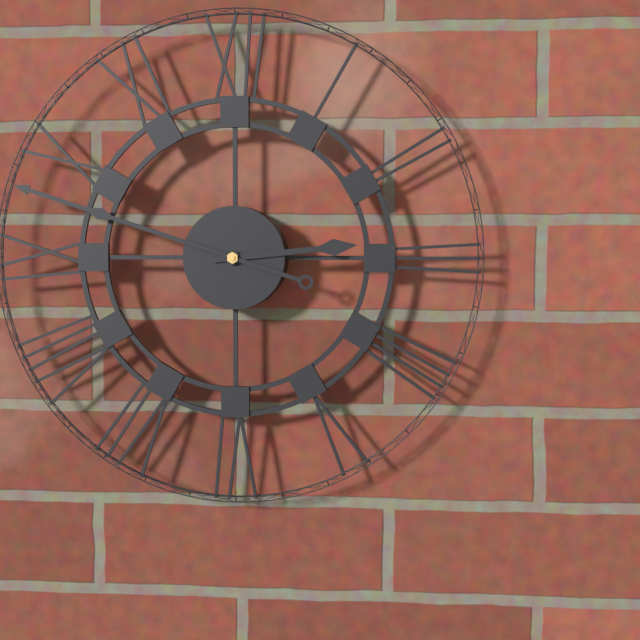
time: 2:48
